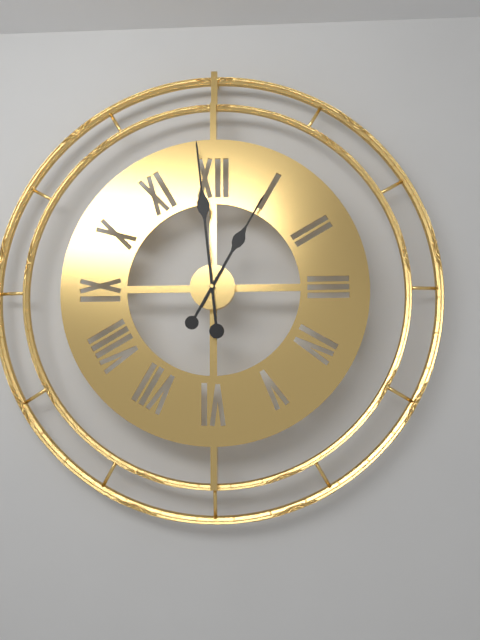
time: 12:59
